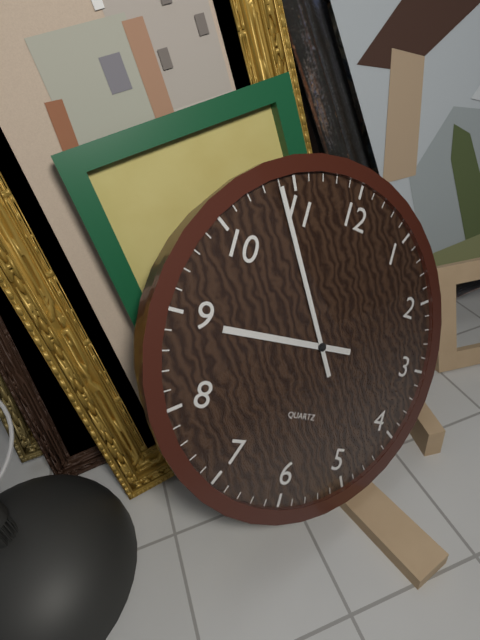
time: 8:54
